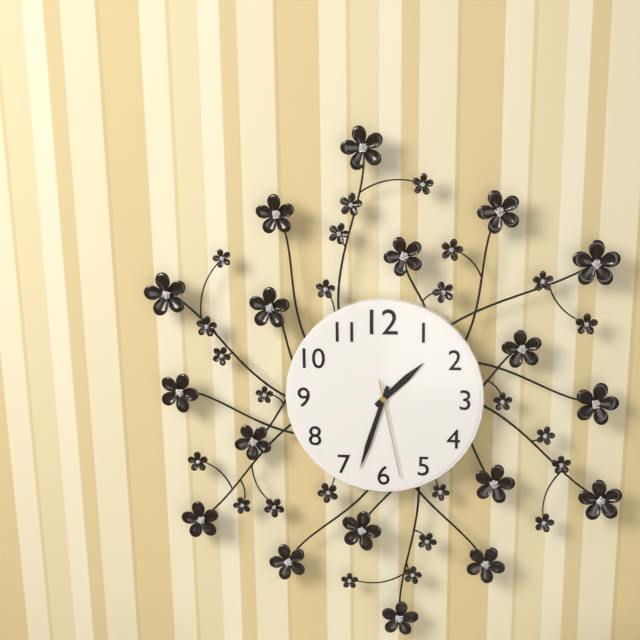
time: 1:33:28
